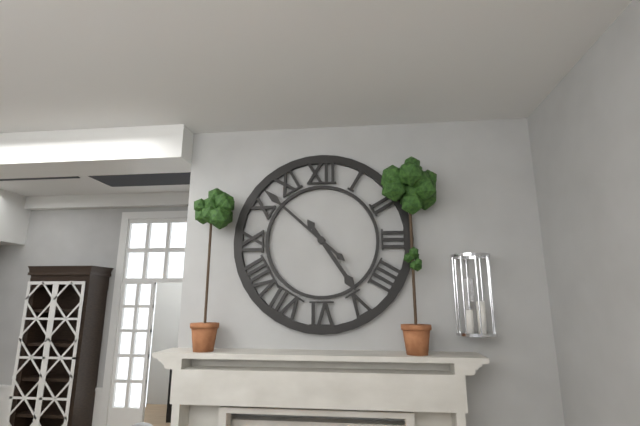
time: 4:52
